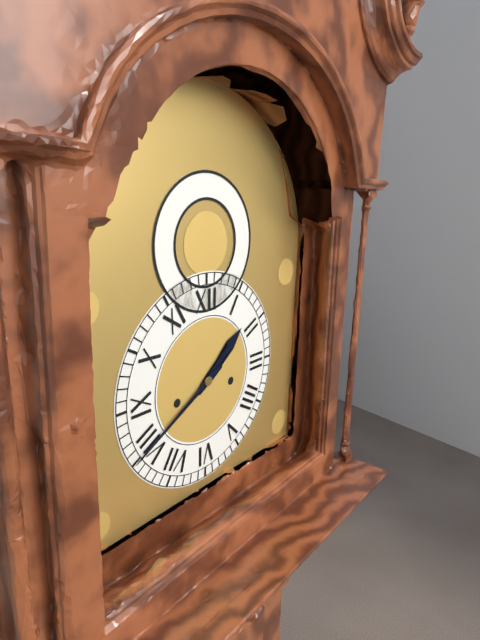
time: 1:40
